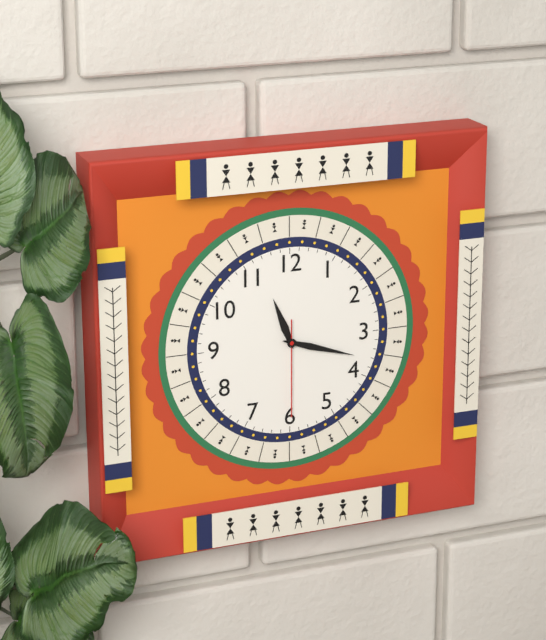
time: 11:18:30
